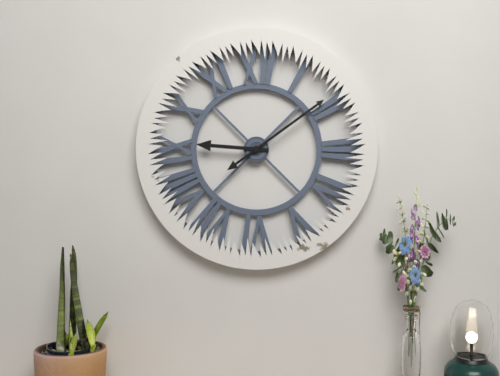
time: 9:09
